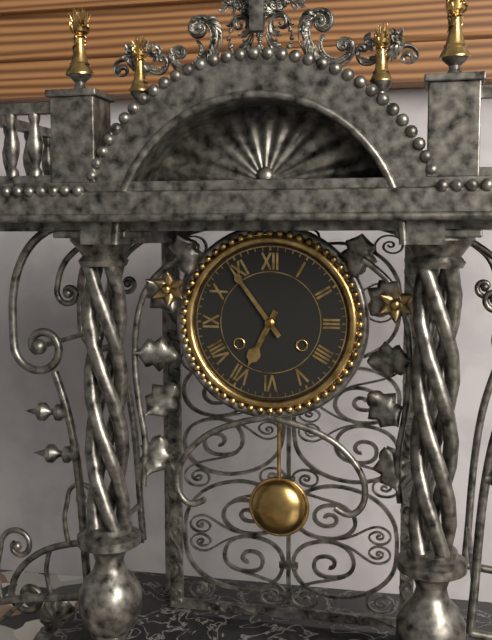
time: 6:54
